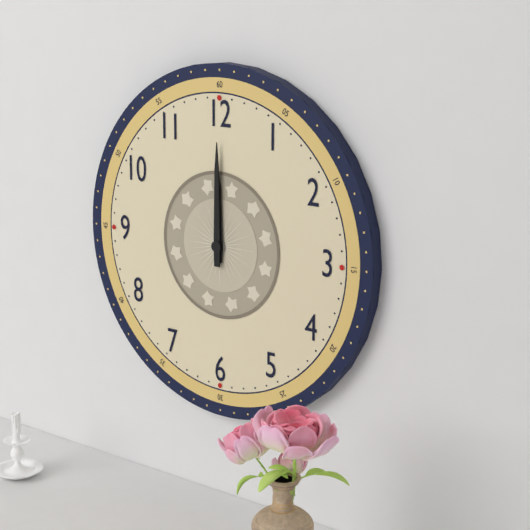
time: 12:00
